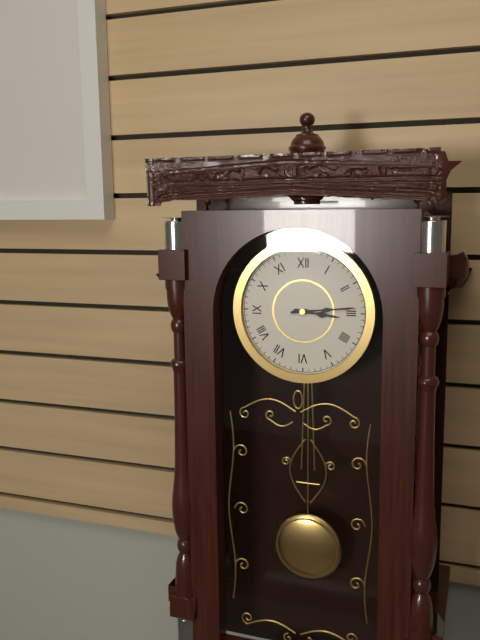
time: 3:14
